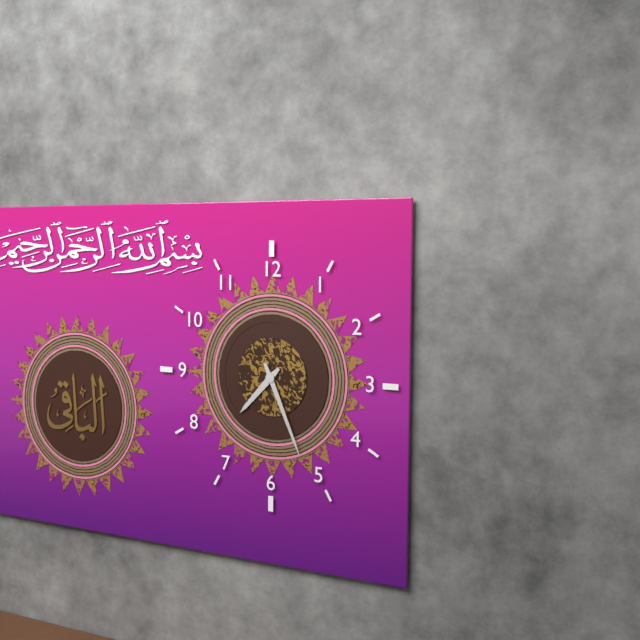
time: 7:26
